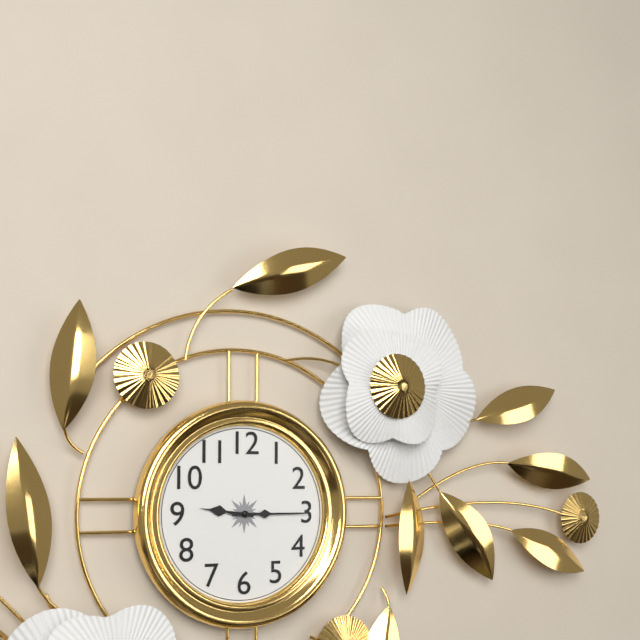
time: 9:15
